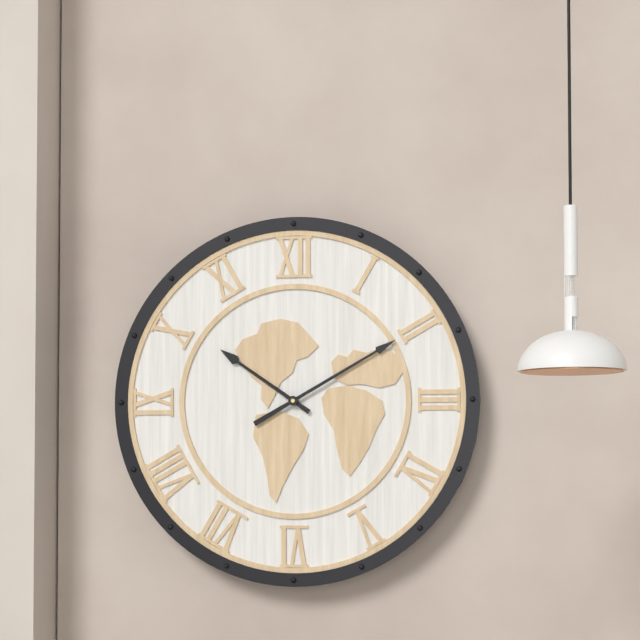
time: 10:10
